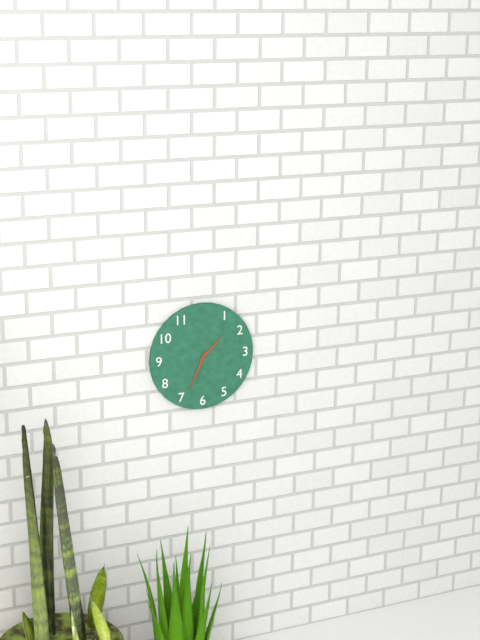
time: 1:34
